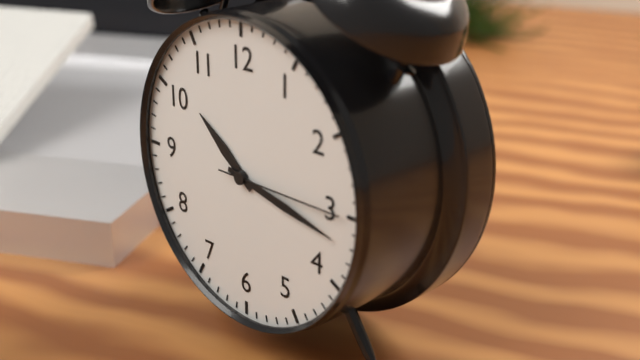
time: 10:17:15
